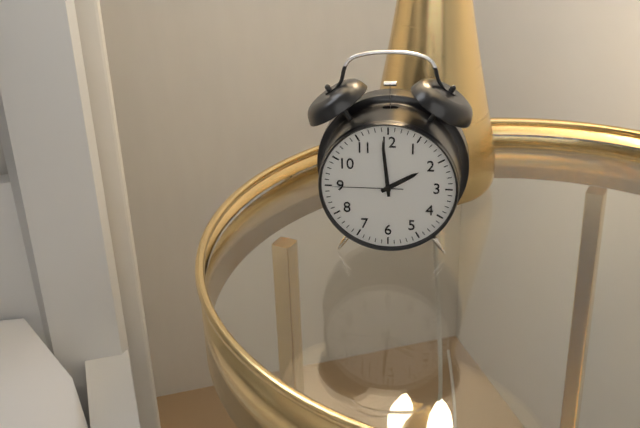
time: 1:59:45
